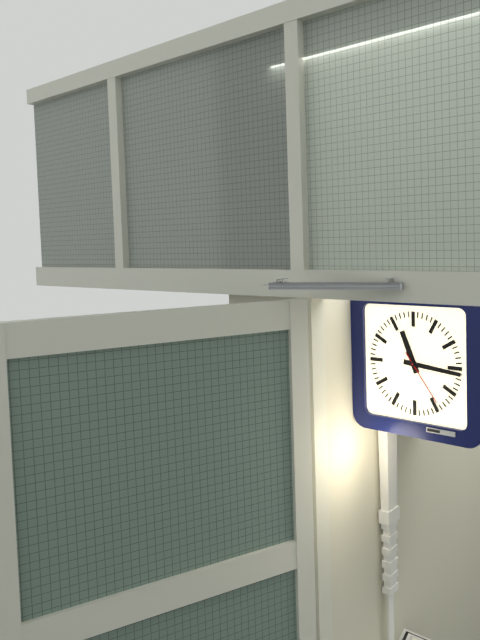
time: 11:16:24
